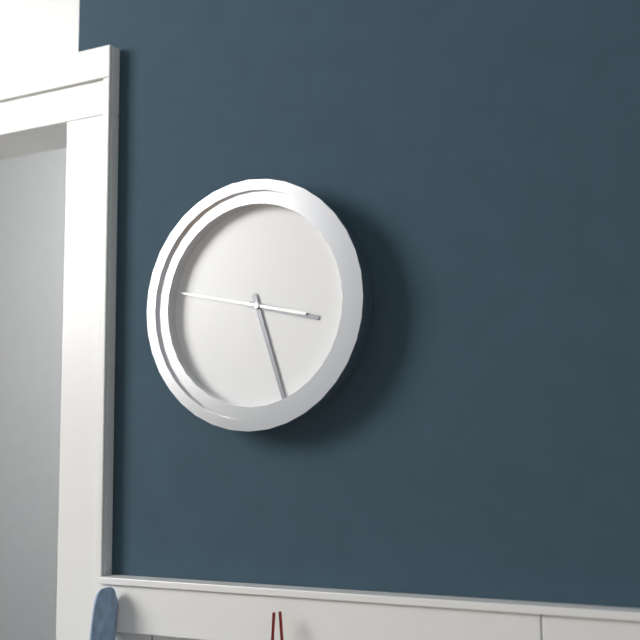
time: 3:27:47
